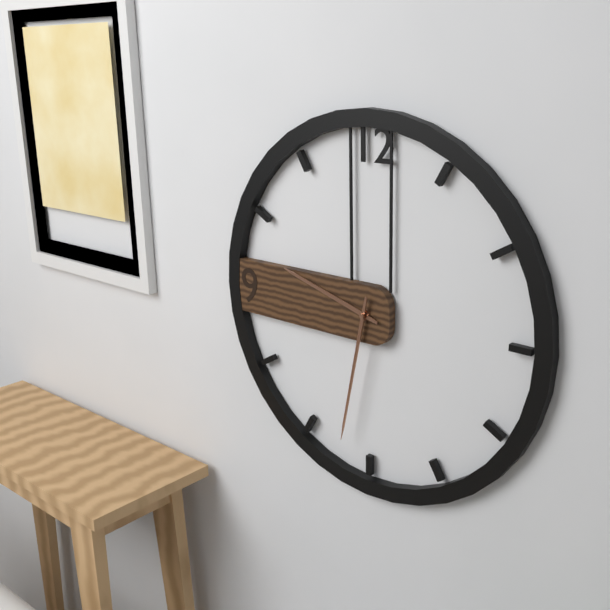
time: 9:32
